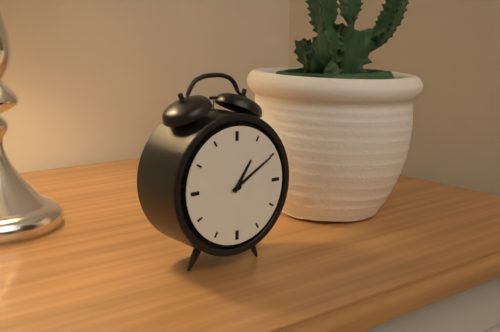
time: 1:10
